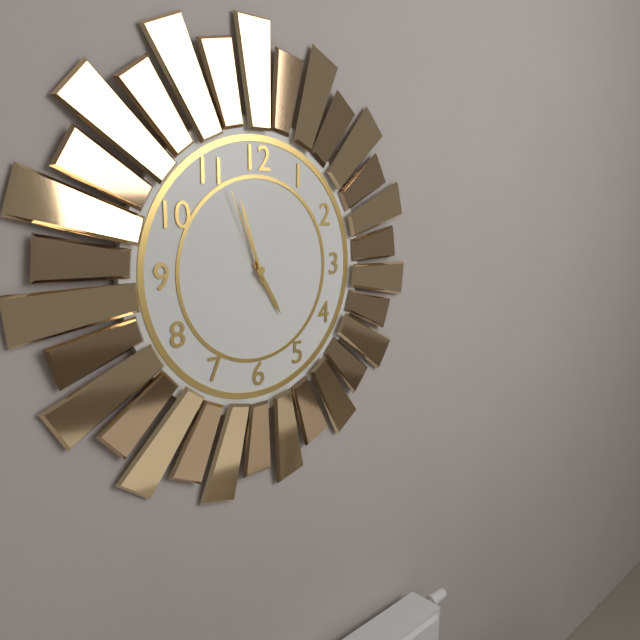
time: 4:57:56
